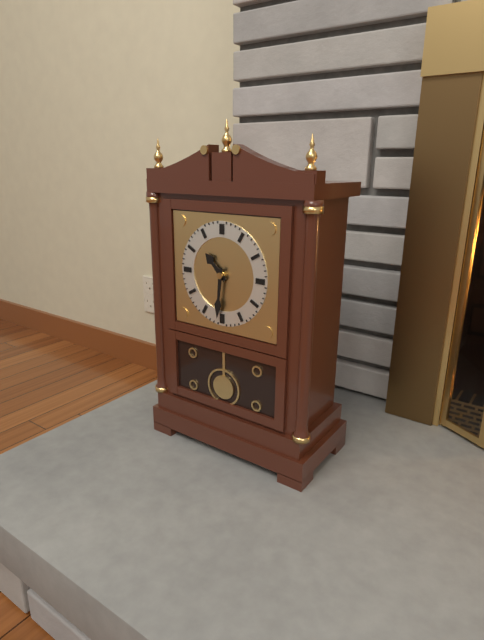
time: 10:31
